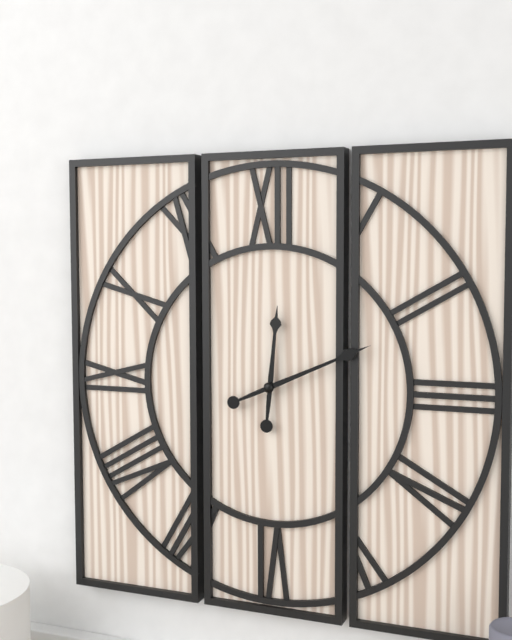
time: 12:11
